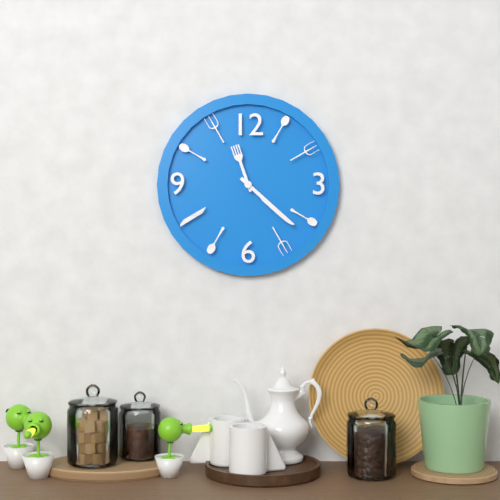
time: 11:22
